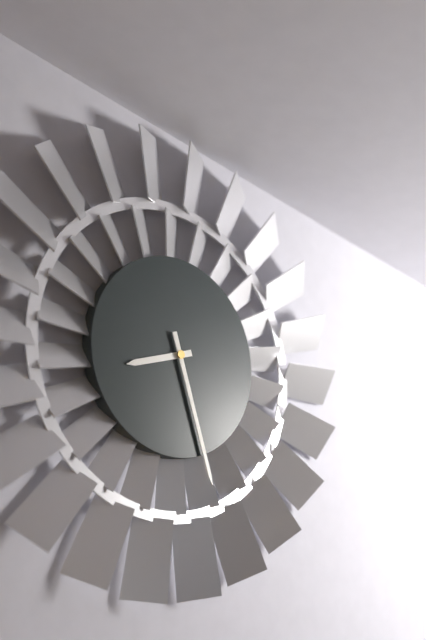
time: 8:27
